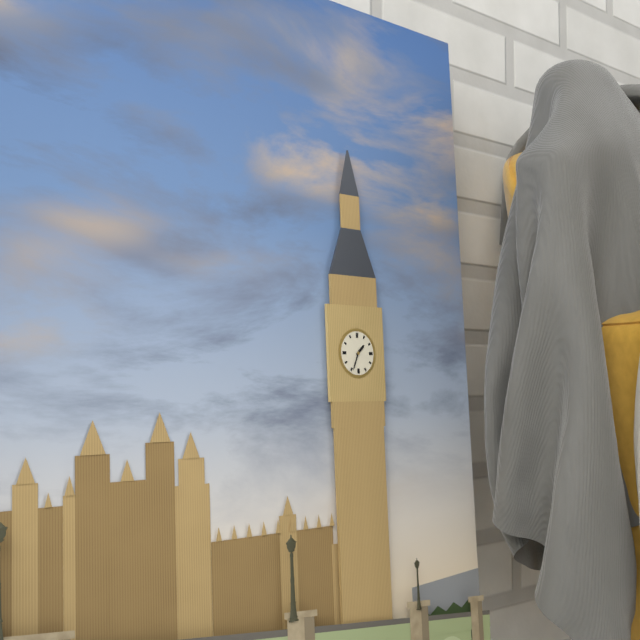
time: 1:34
